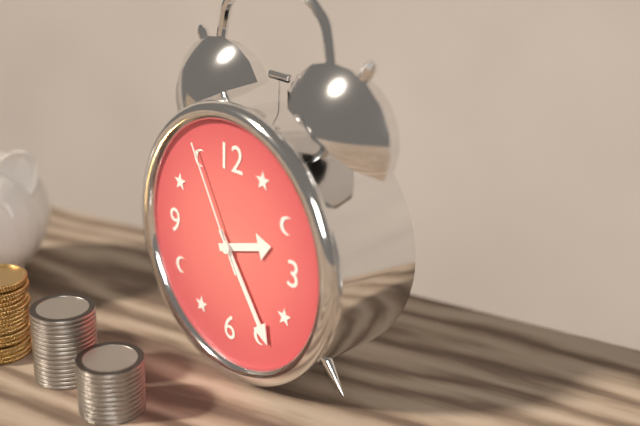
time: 2:24:55
